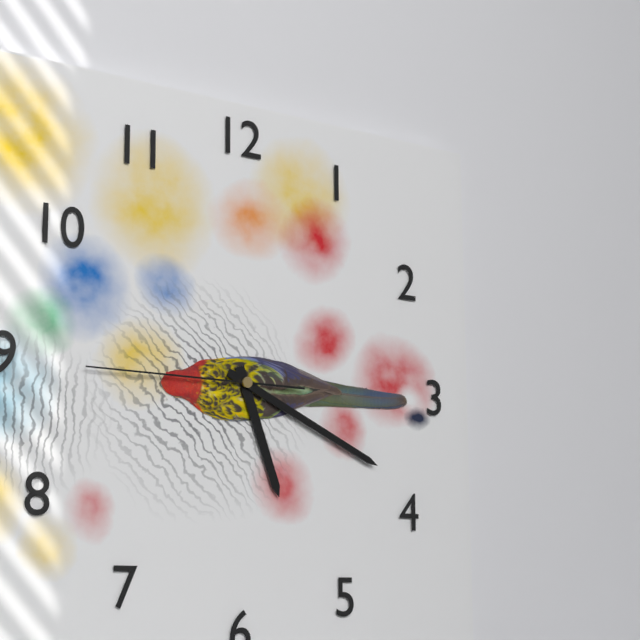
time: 5:19:45
